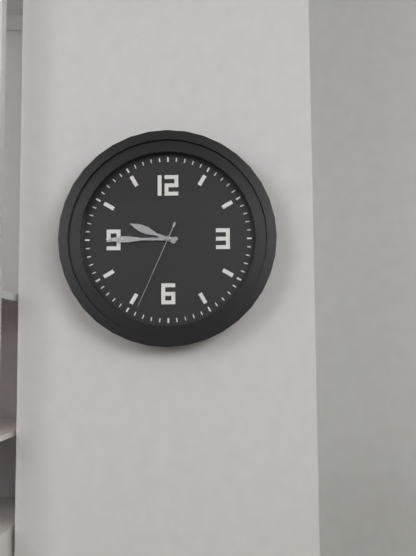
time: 9:45:34
